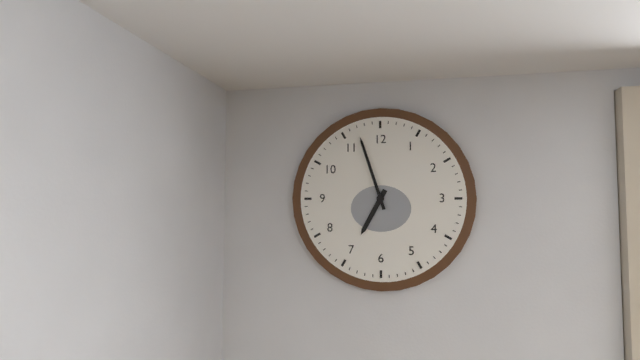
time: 6:57
